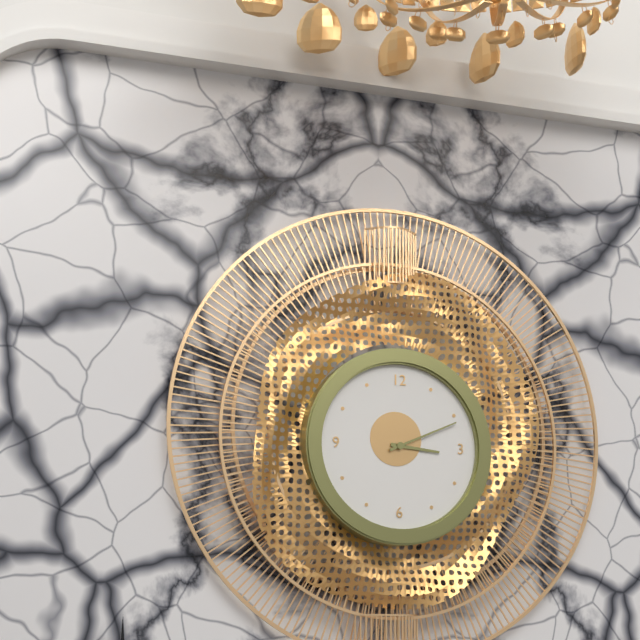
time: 3:11
